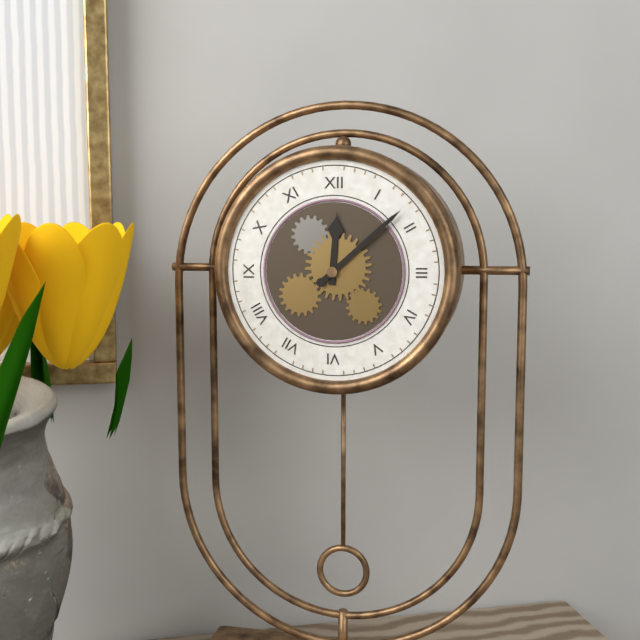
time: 12:08
